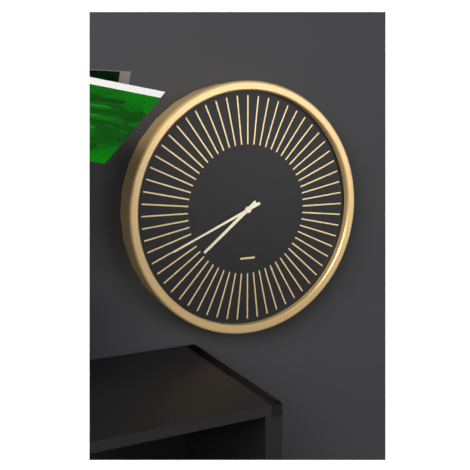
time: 7:41
